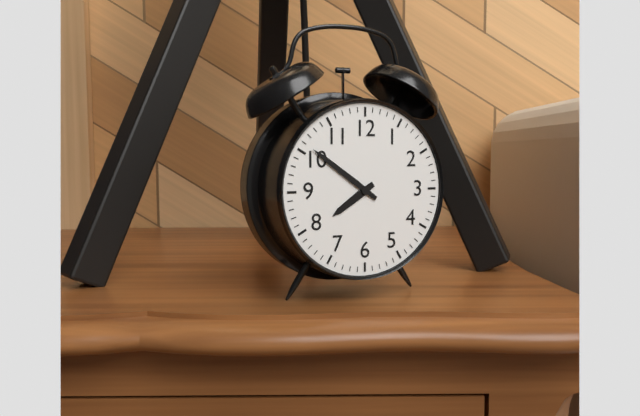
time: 7:51
